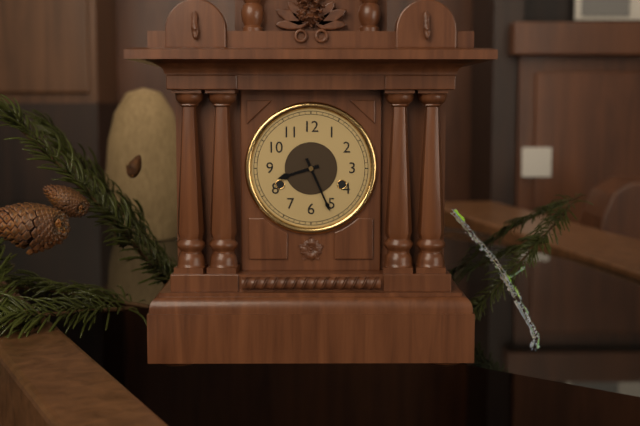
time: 8:26
